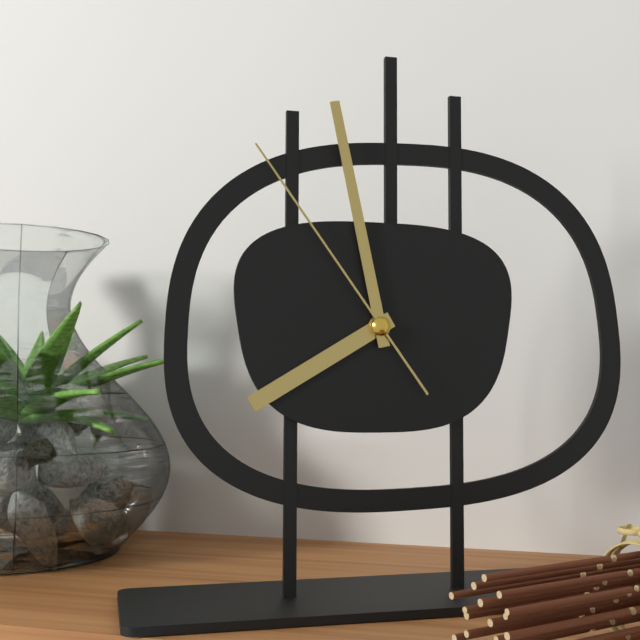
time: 7:58:54
